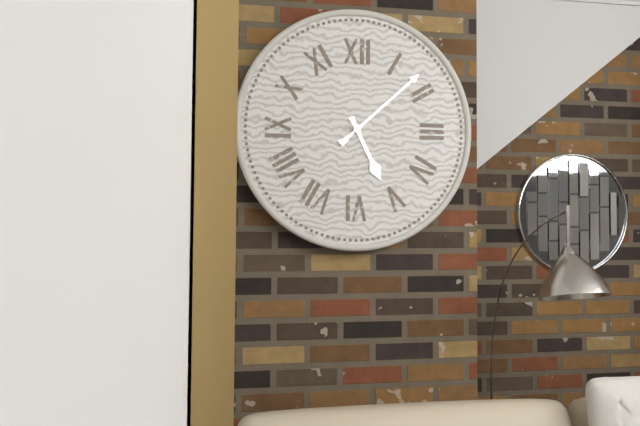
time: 5:08
